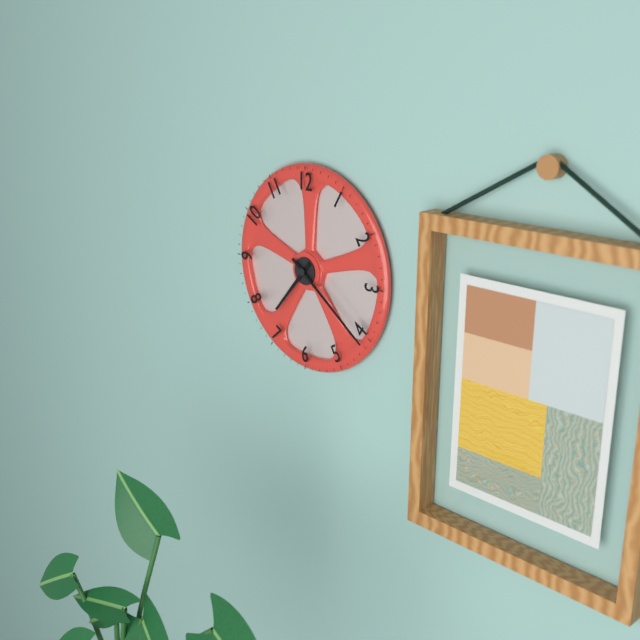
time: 7:21
